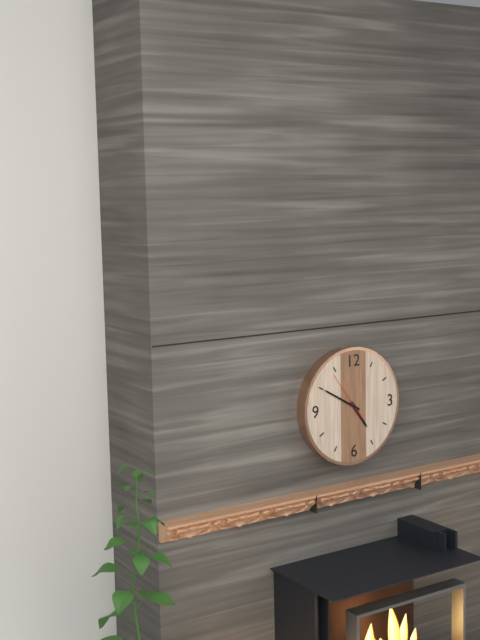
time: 4:50
